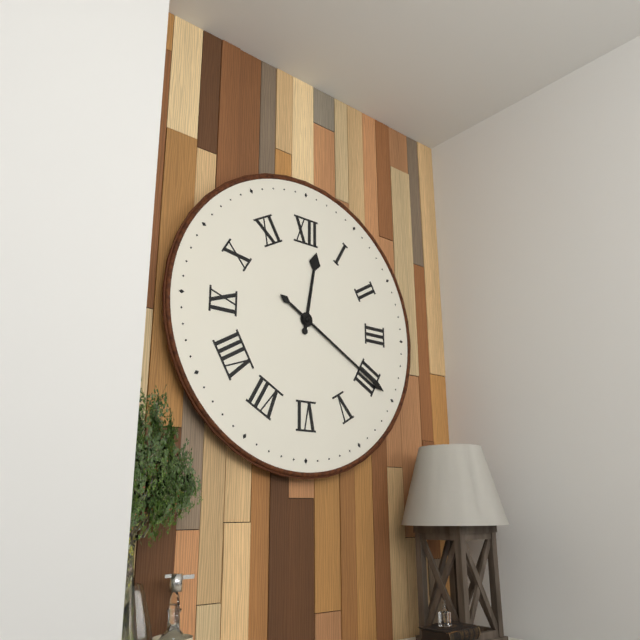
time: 12:20
